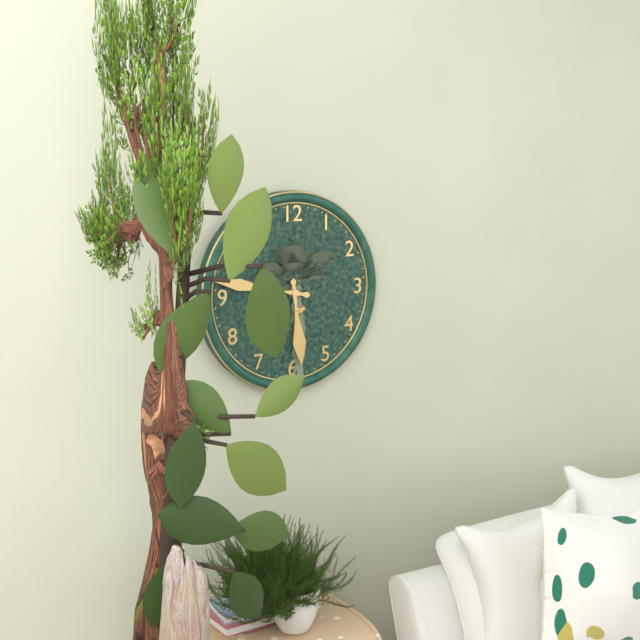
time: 5:47
